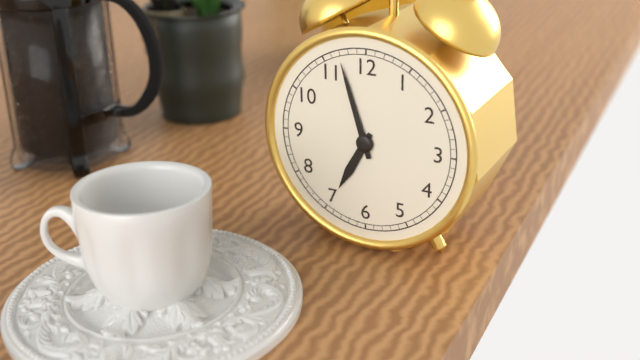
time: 6:57
